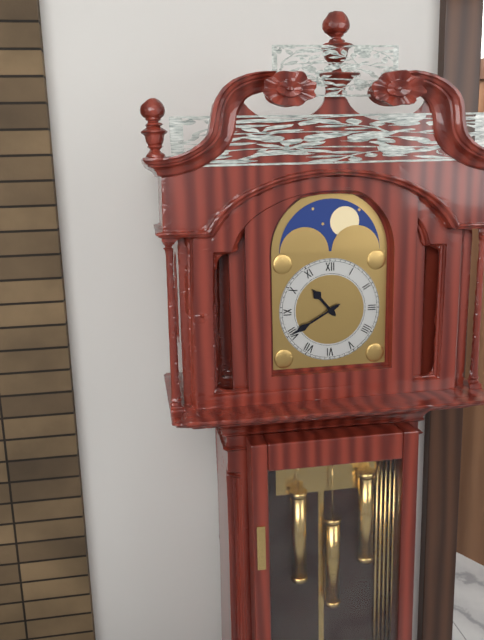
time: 10:40
